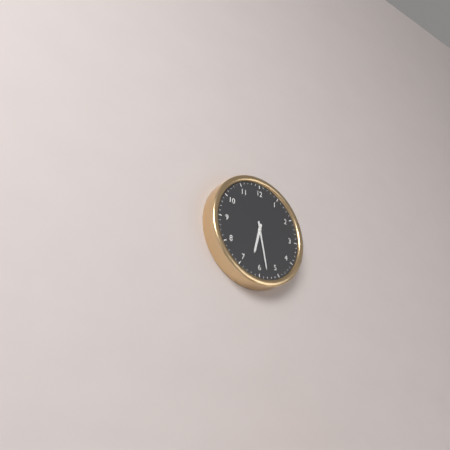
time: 6:28
